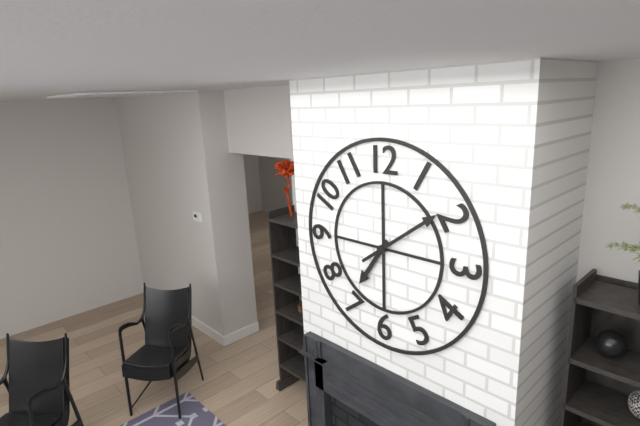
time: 7:09
